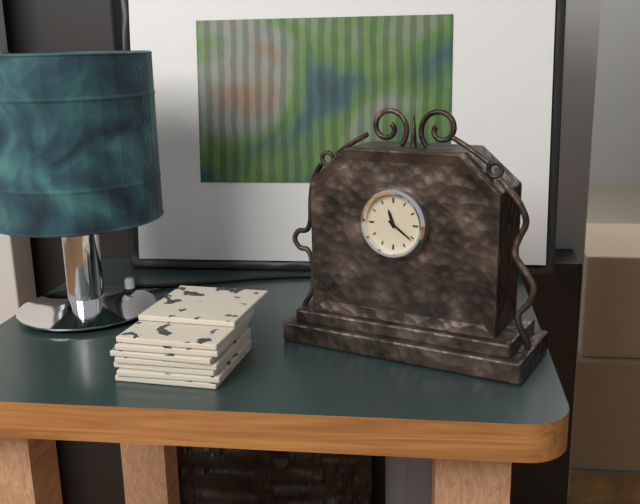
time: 11:21
